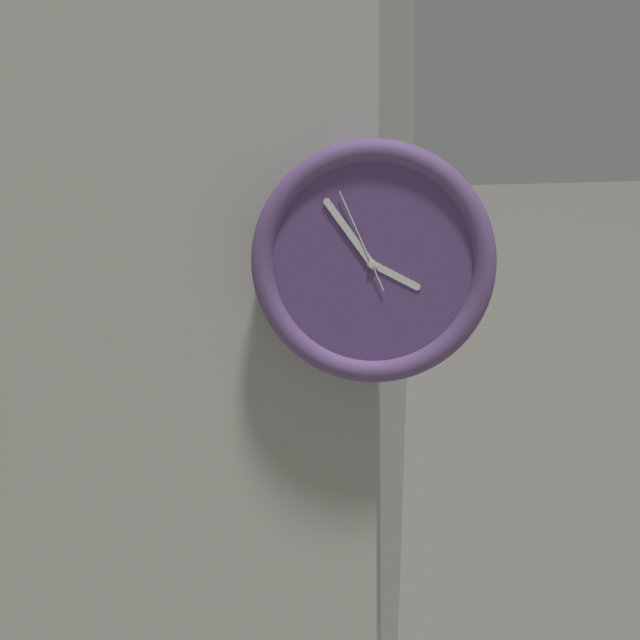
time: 3:54:56
